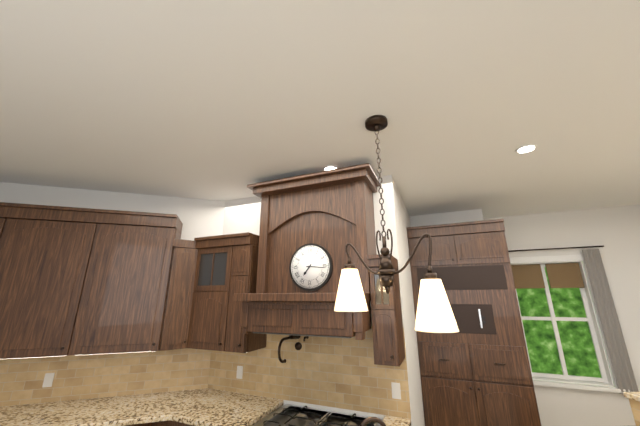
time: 7:16
